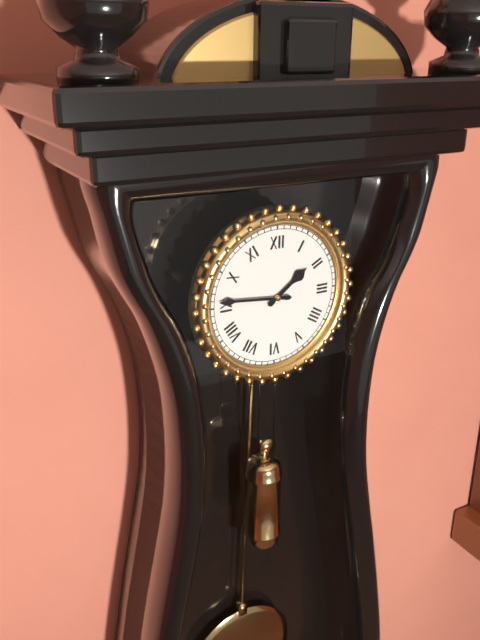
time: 1:46
